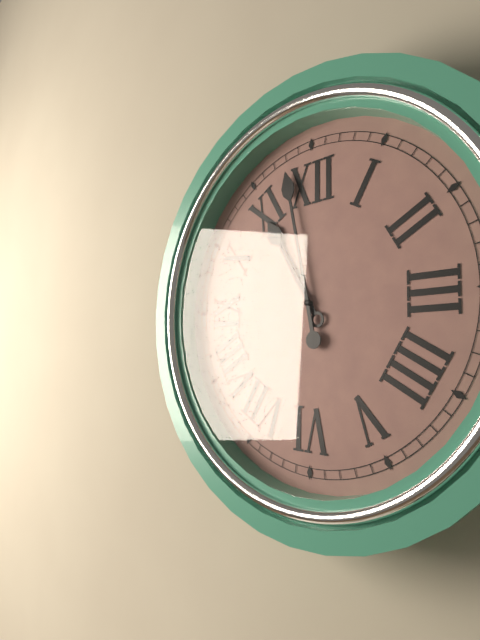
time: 10:58
